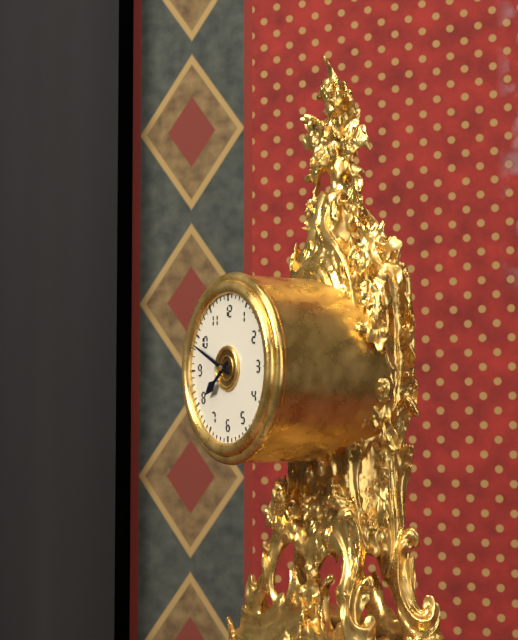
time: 7:49
